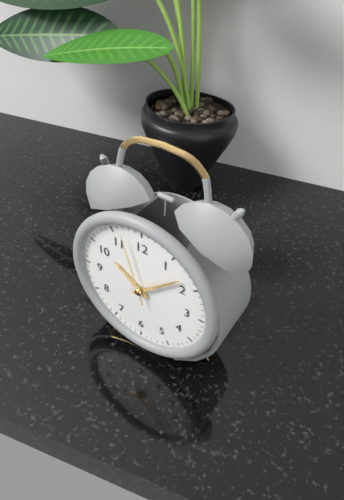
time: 10:08:57
